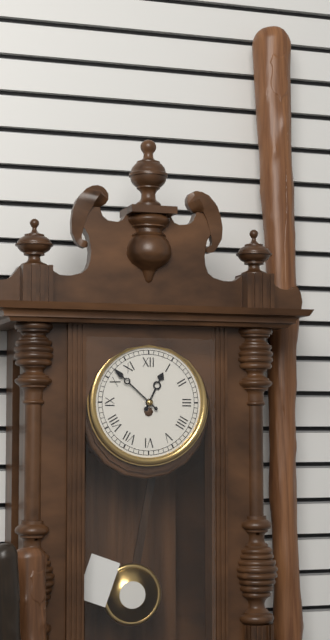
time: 12:52
